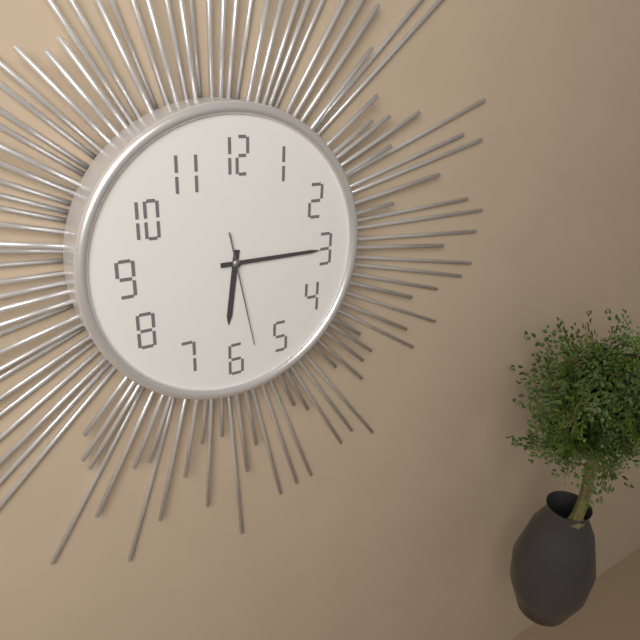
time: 6:15:28
